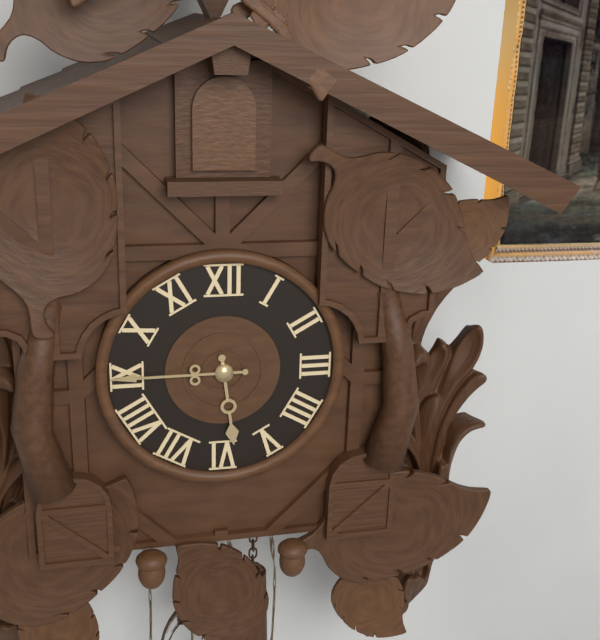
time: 5:45
